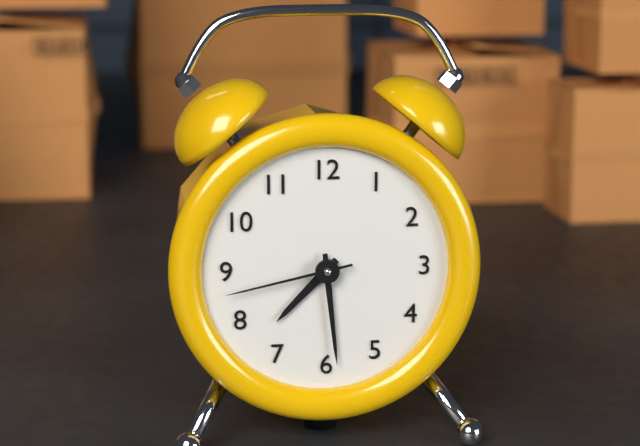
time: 7:29:43
